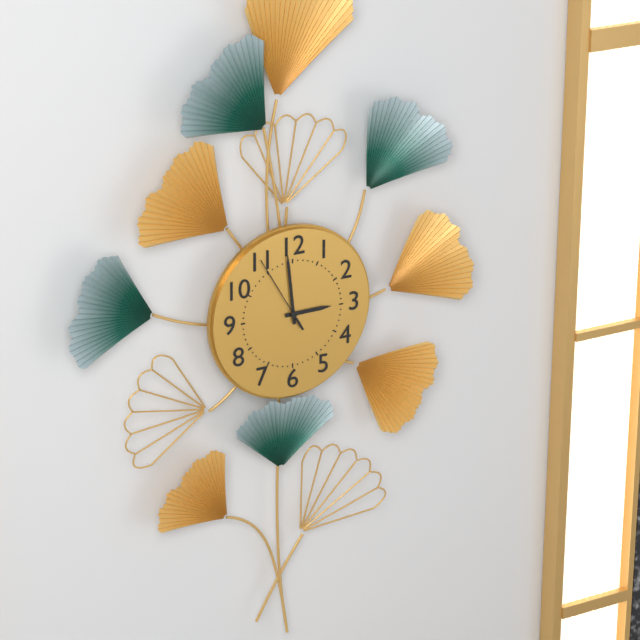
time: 2:59:55
